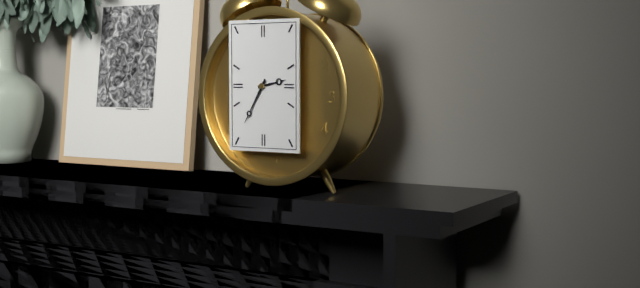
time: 2:35
